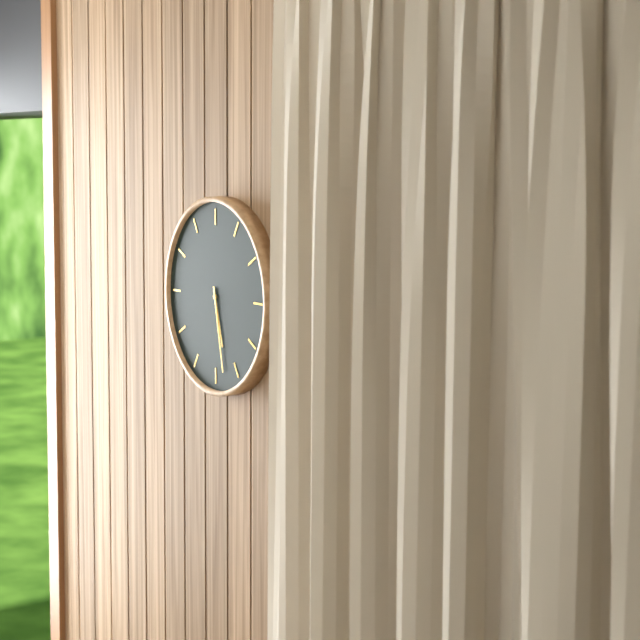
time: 5:28
